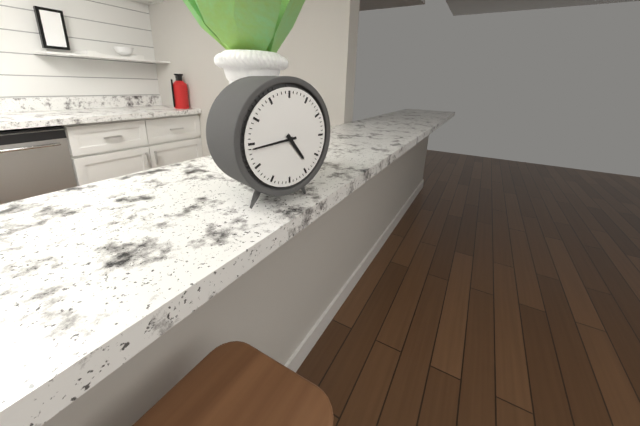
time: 4:44
